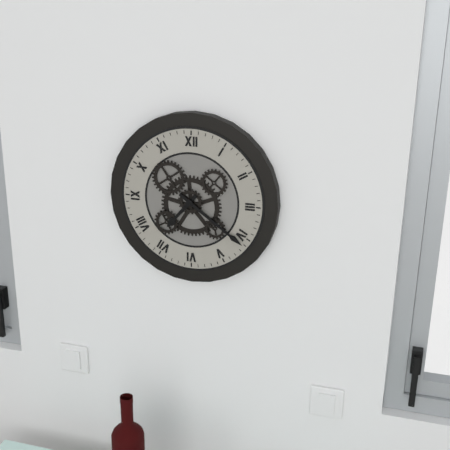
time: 7:21
